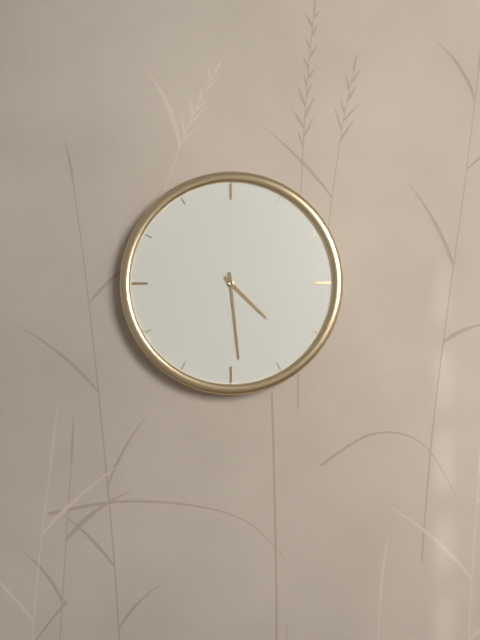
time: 4:29
